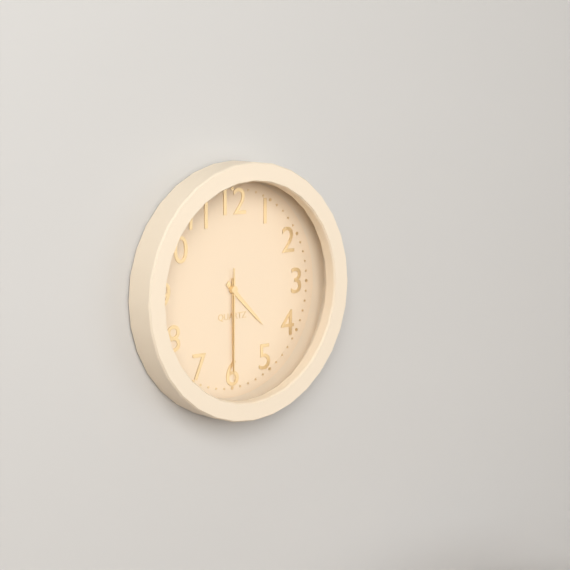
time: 4:30:30
